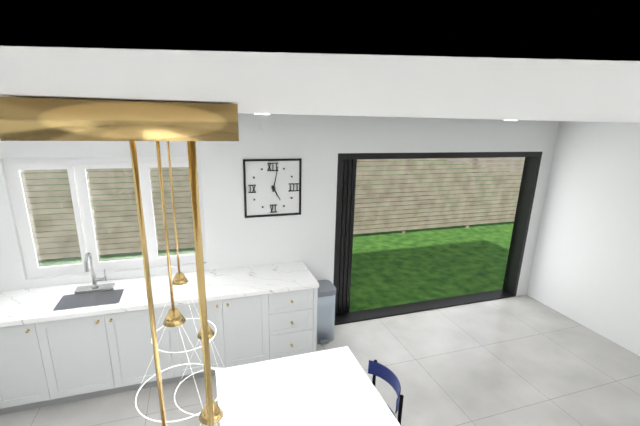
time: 5:02
